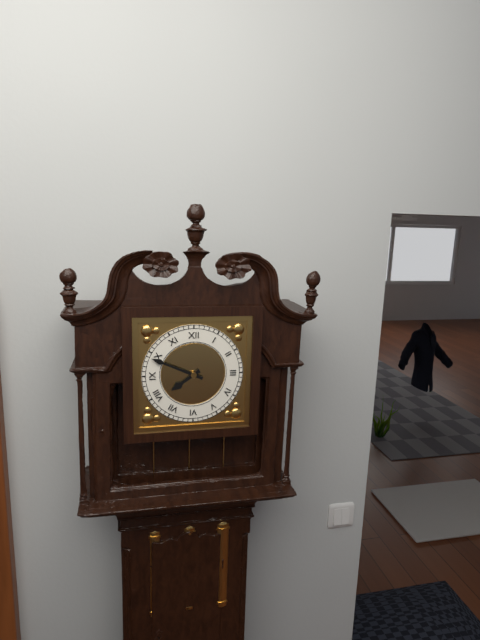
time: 7:49
